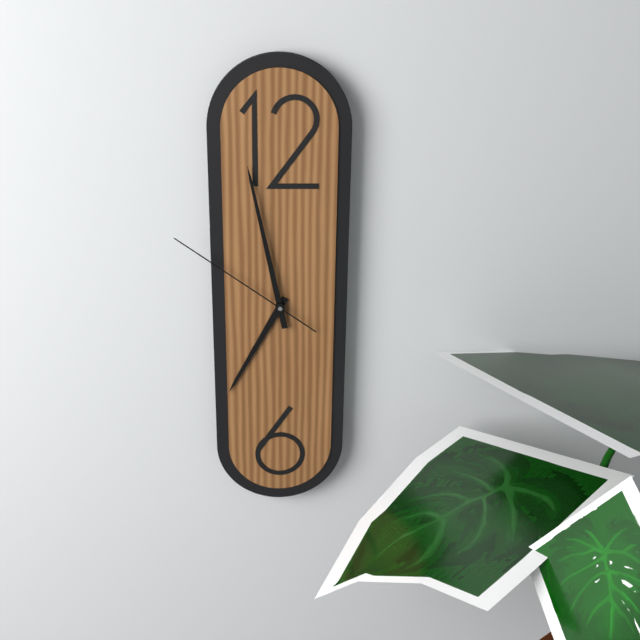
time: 6:58:51
